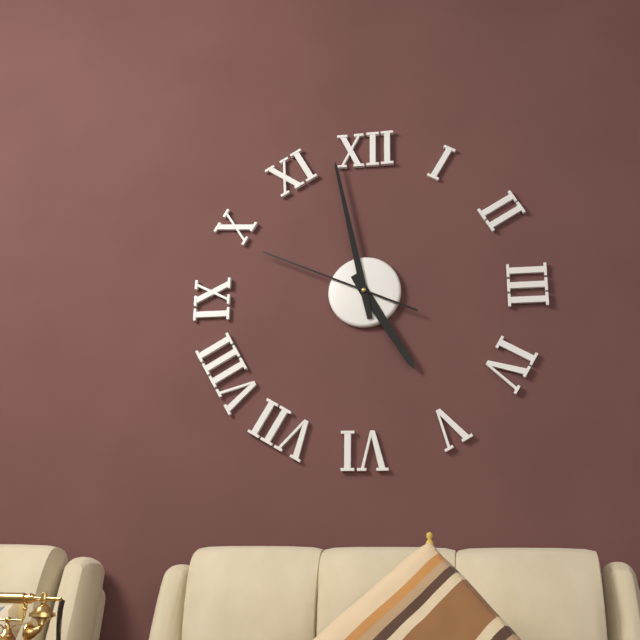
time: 4:58:49
